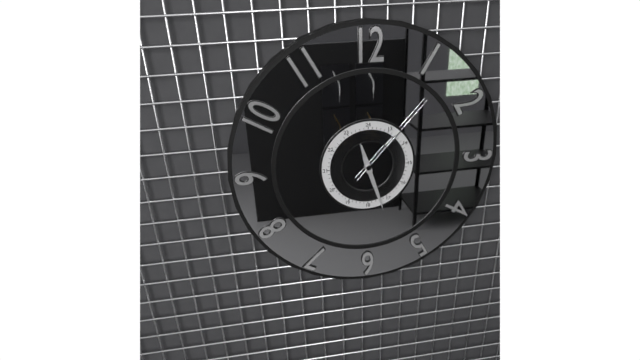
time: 11:27:07
